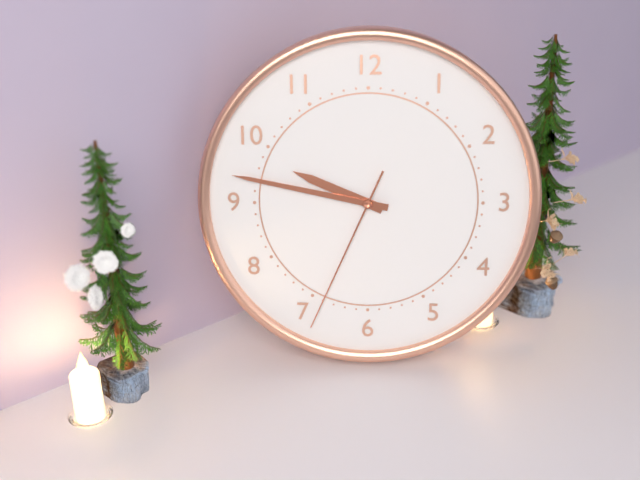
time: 9:47:34
